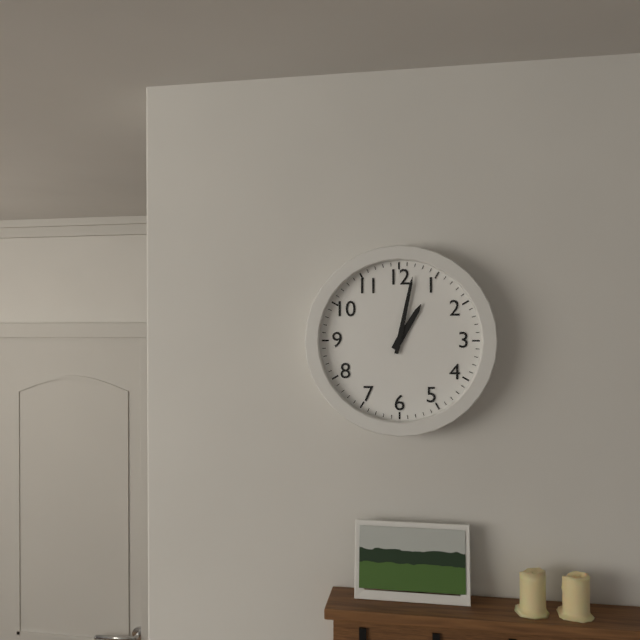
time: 1:02
